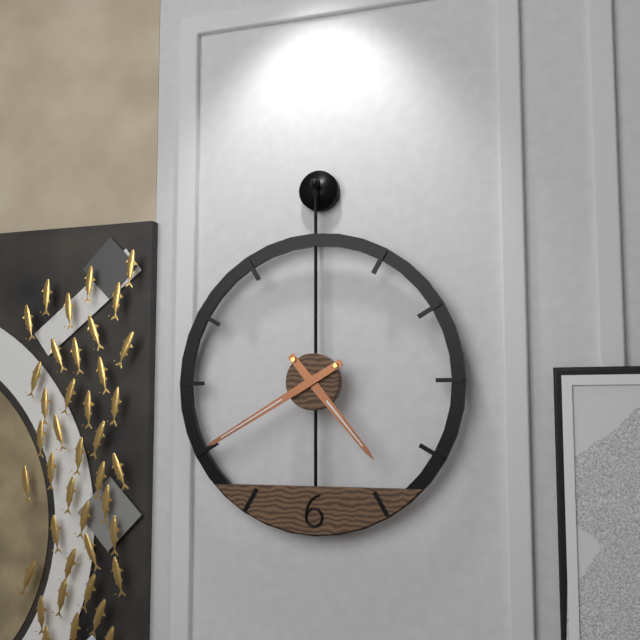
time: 4:40
